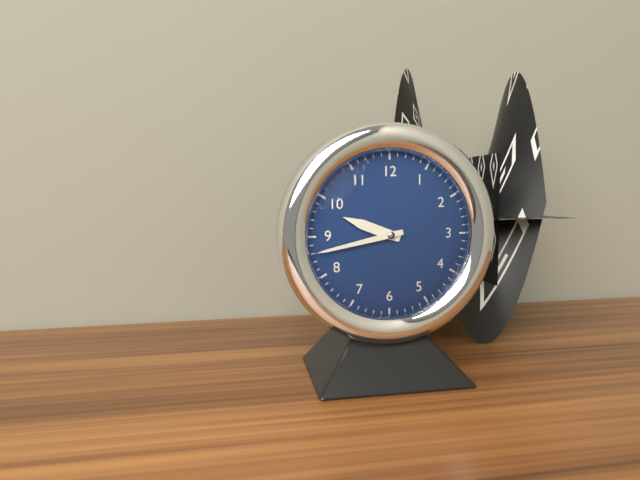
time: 9:43
